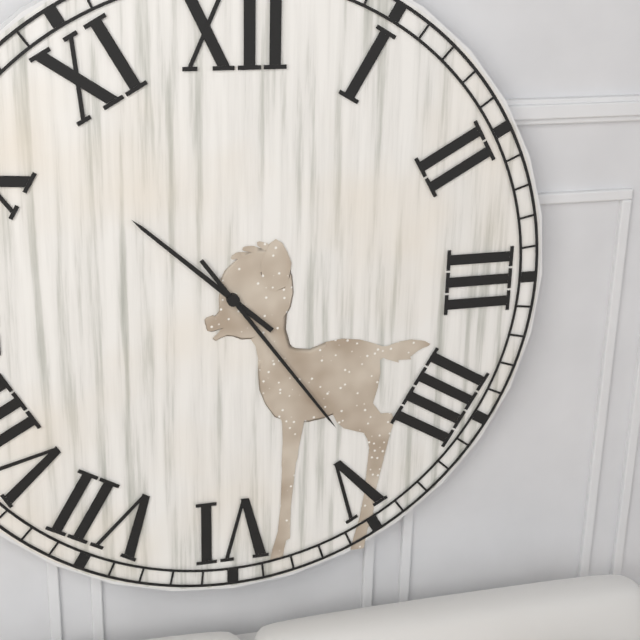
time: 10:24
